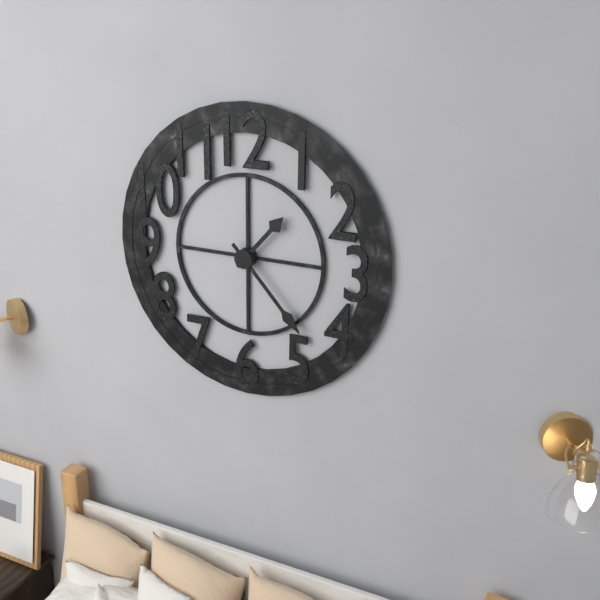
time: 1:23
